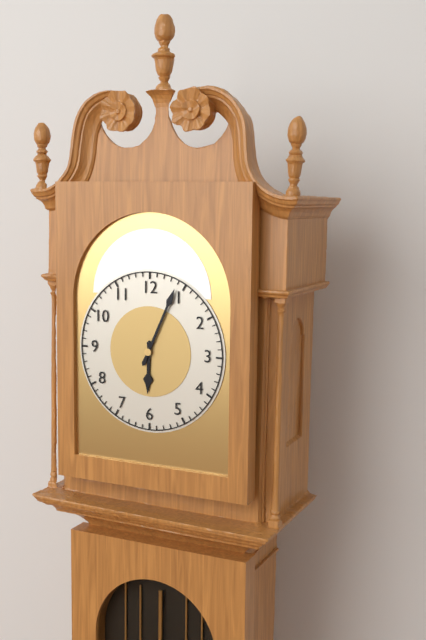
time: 6:04
